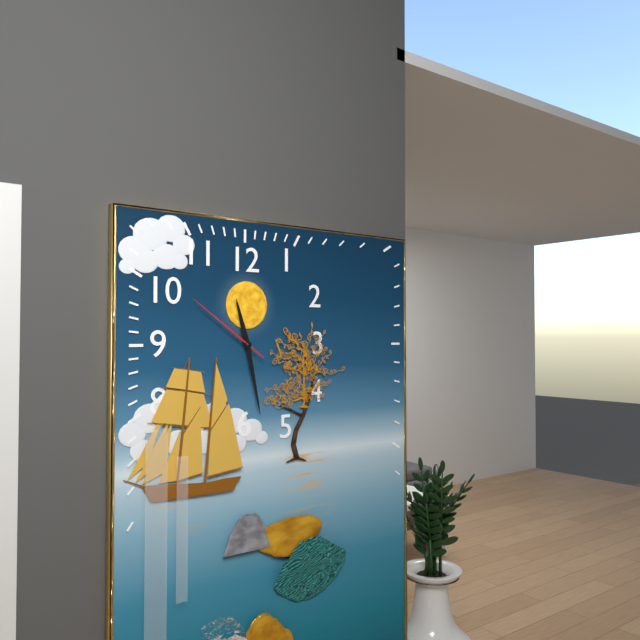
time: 11:28:51
